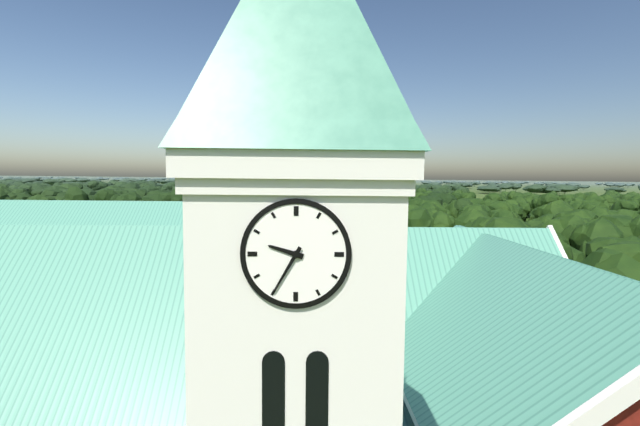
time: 9:35
